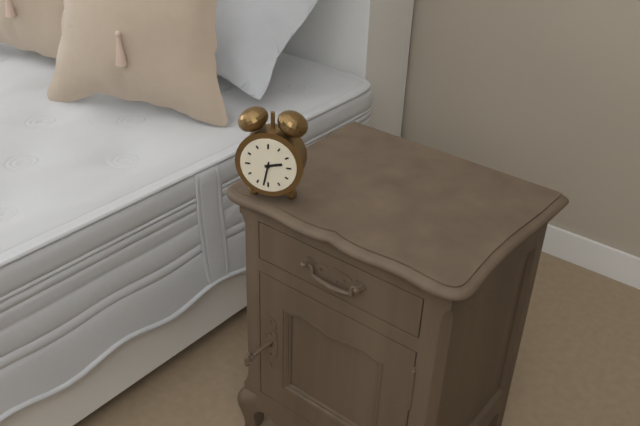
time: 2:32
